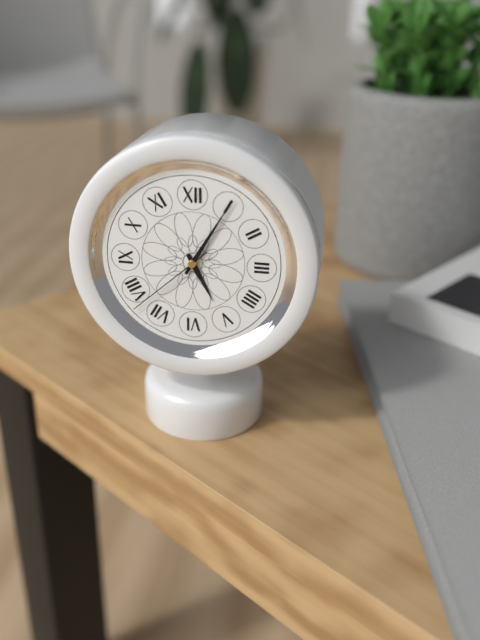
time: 5:05:38
